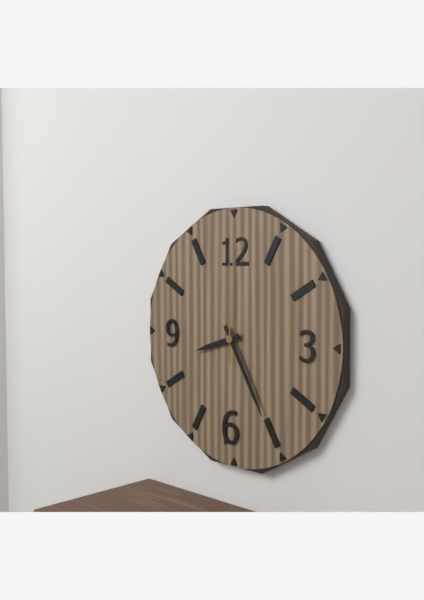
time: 8:25:00
